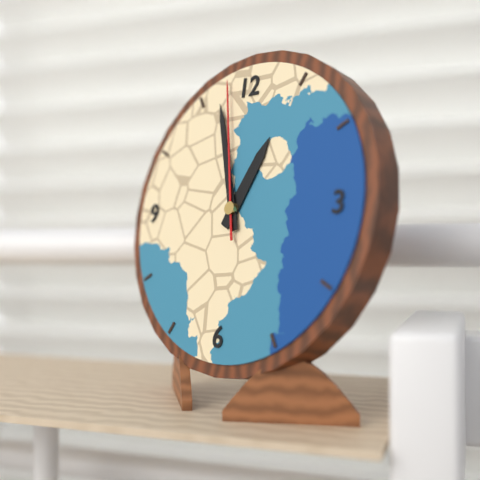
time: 12:57:58
